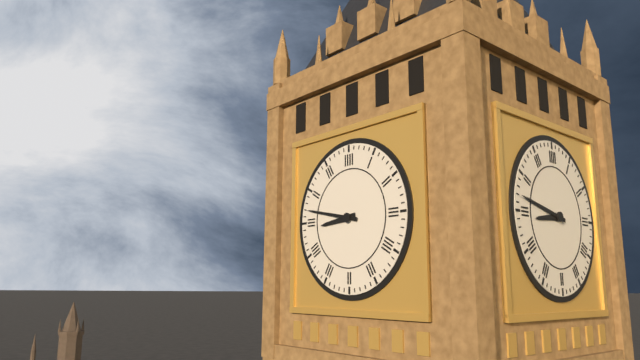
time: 8:47
